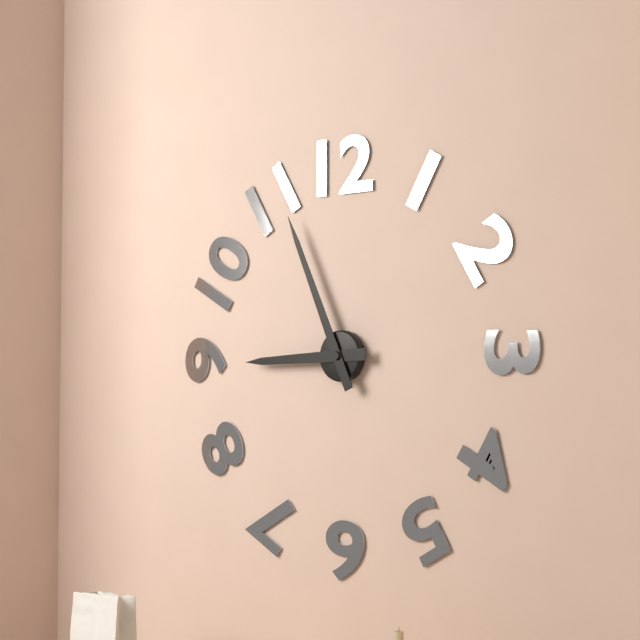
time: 8:56
